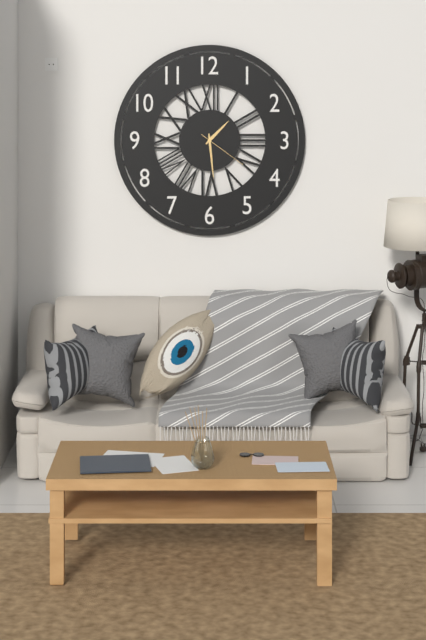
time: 1:29:21
